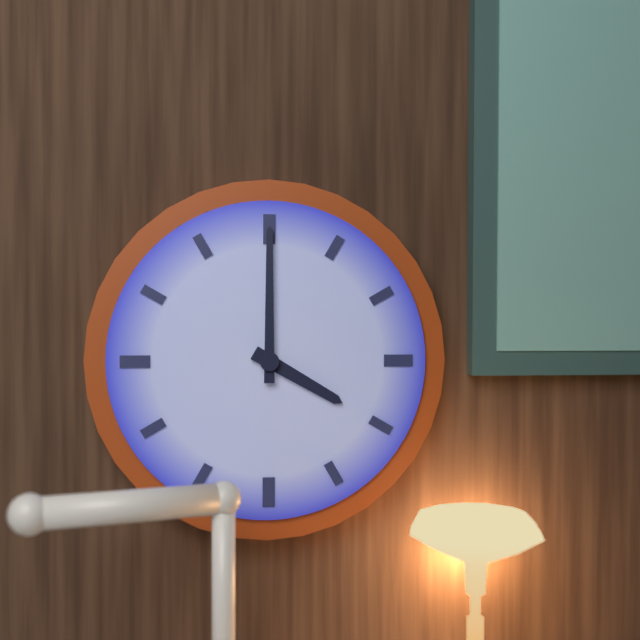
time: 4:00
